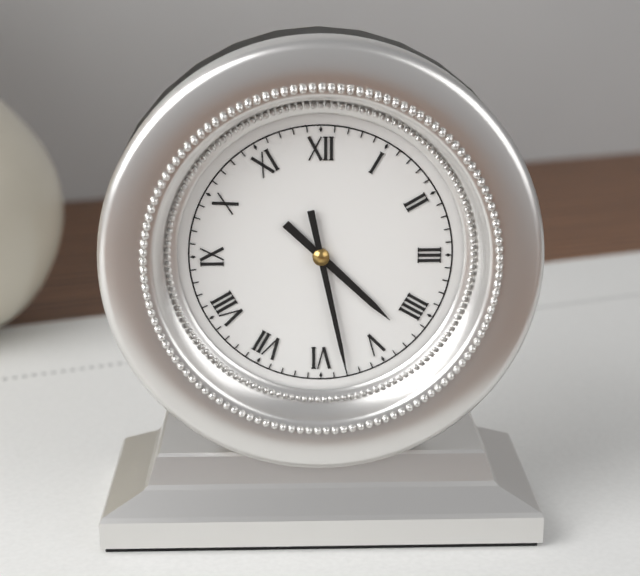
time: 4:28
